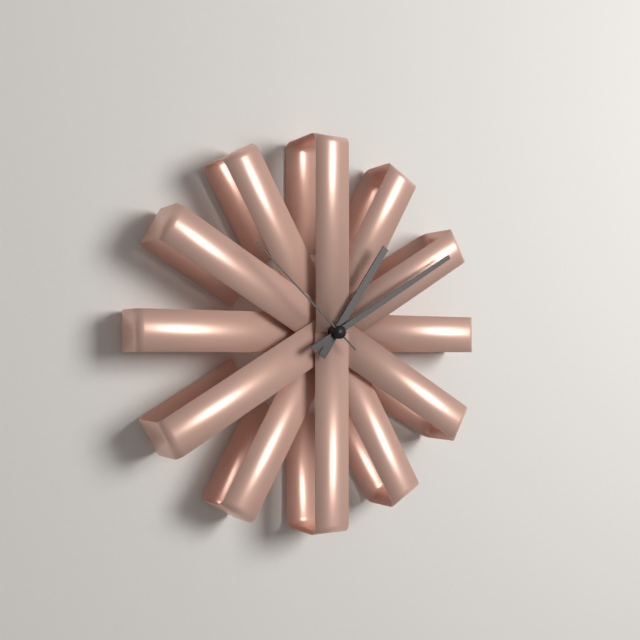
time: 1:10:52
